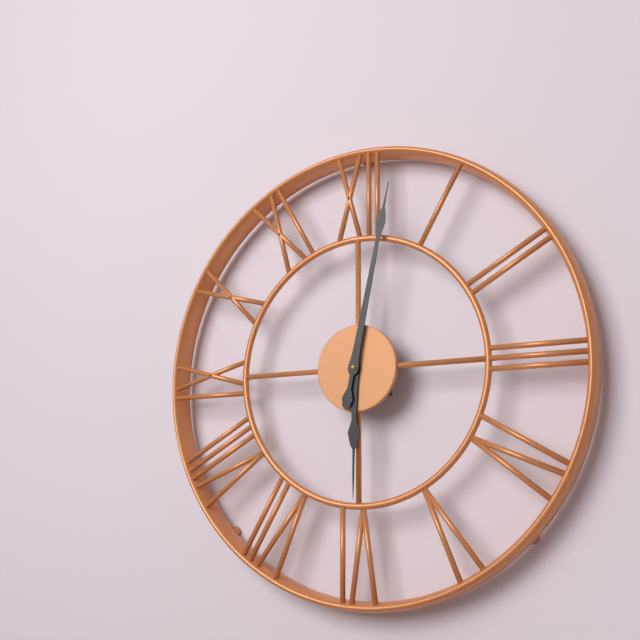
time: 6:02
